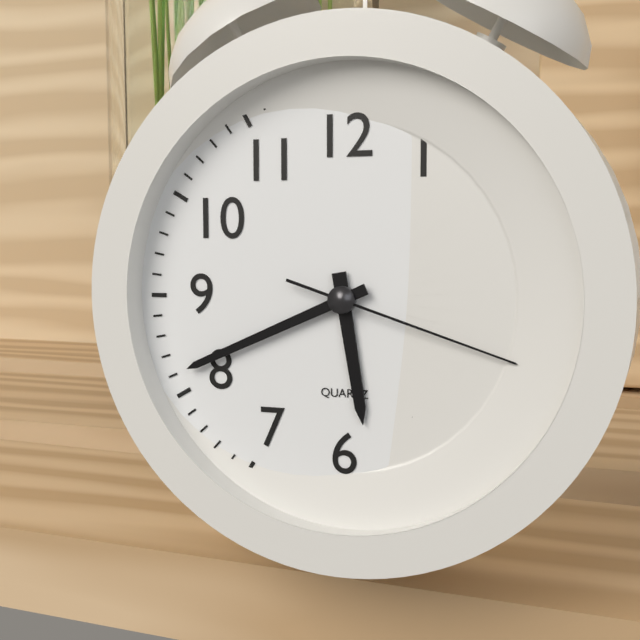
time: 5:41:18
